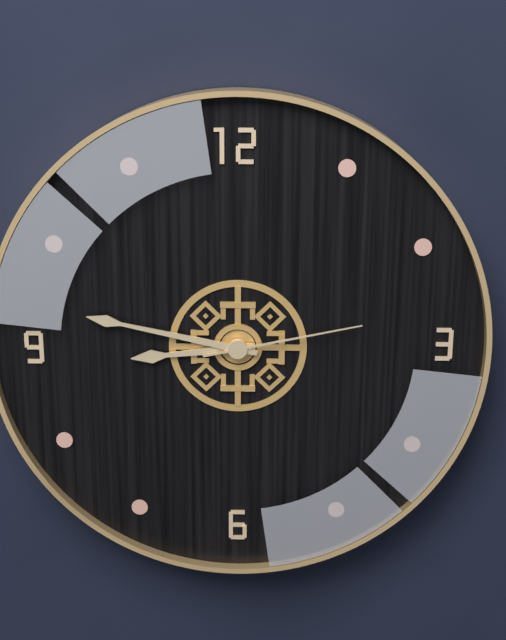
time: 8:47:13
